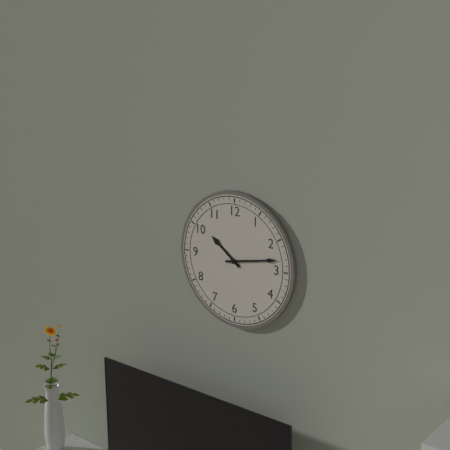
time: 10:13
